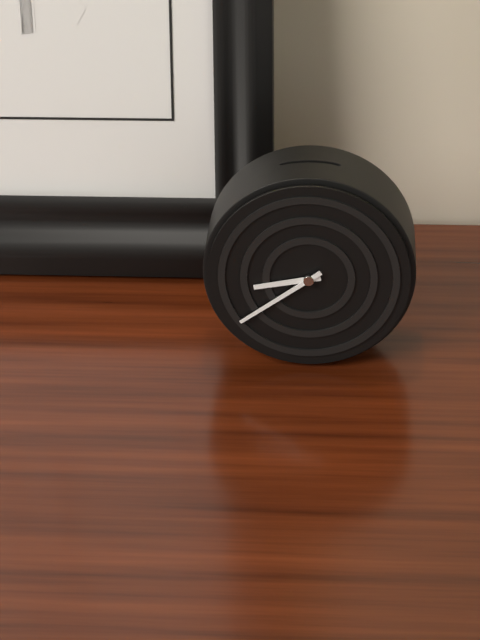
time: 8:39
